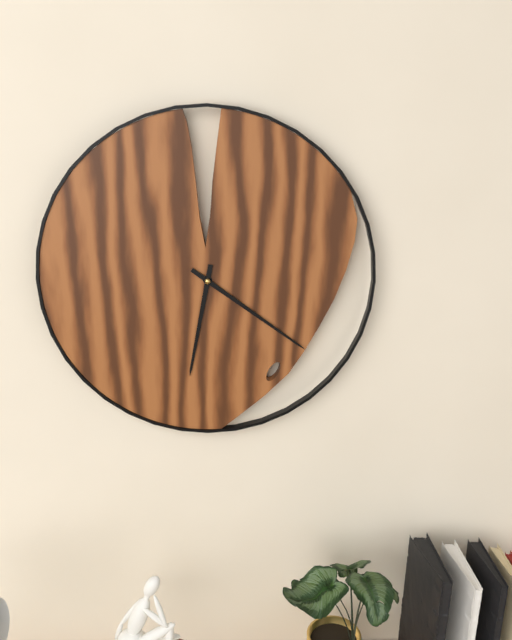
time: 6:21
